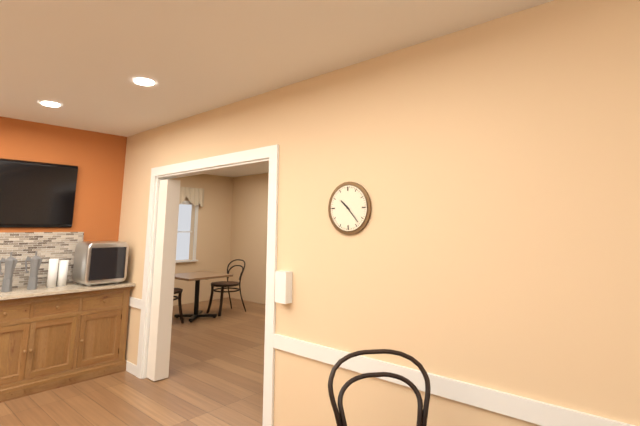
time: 10:23
